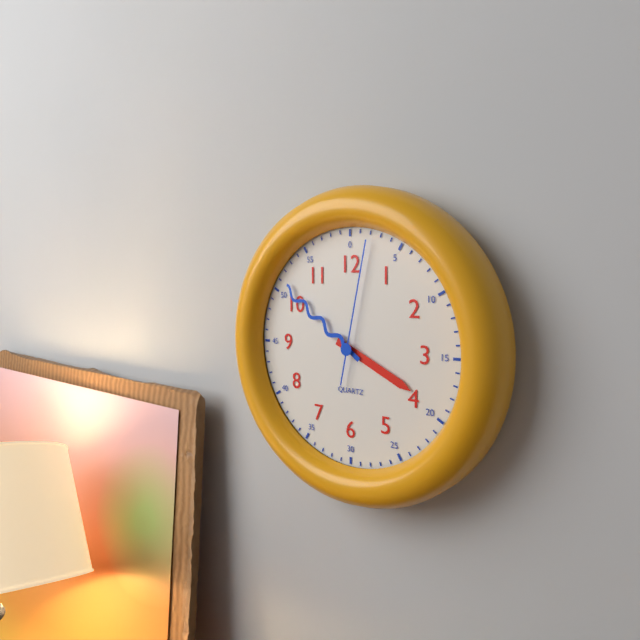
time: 3:51:02
